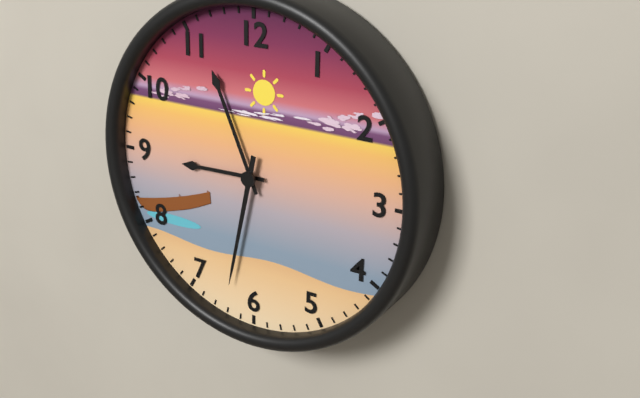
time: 8:56:32
